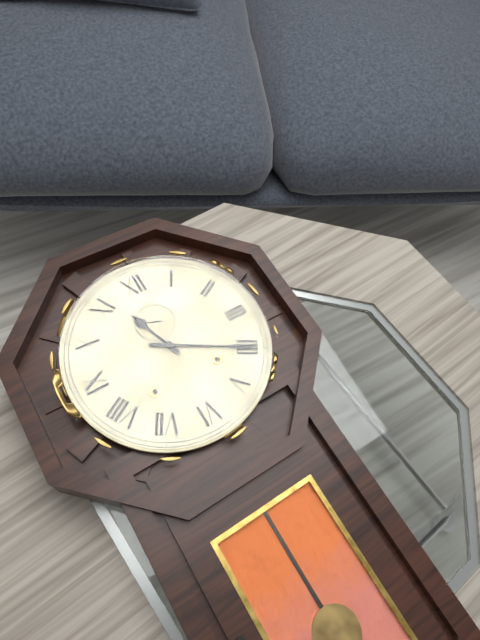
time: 11:20
